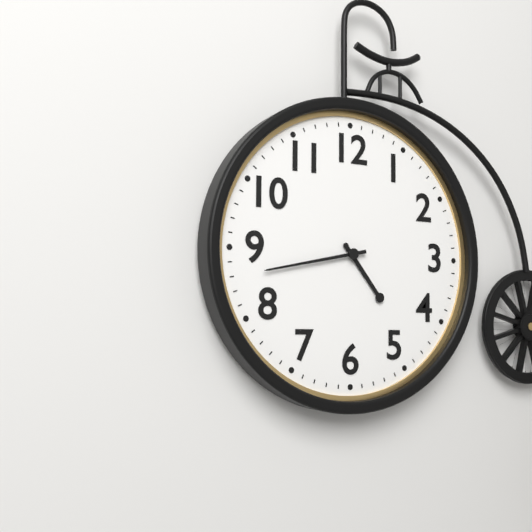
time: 4:43
